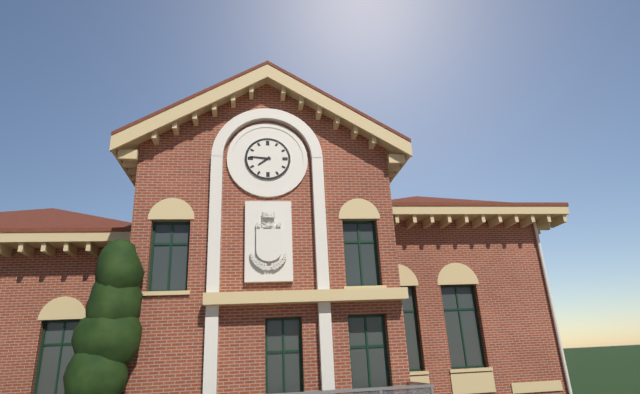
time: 7:46
